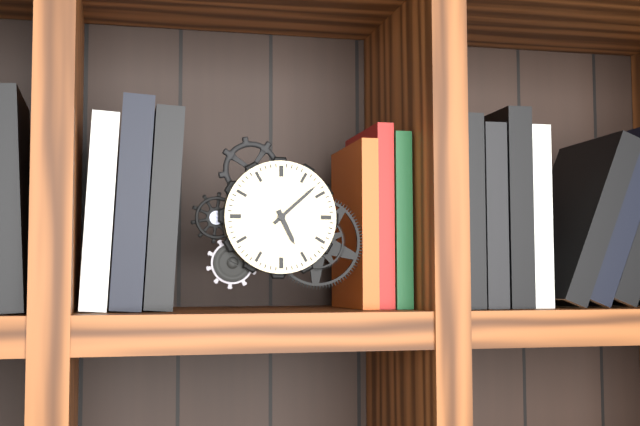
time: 5:08
